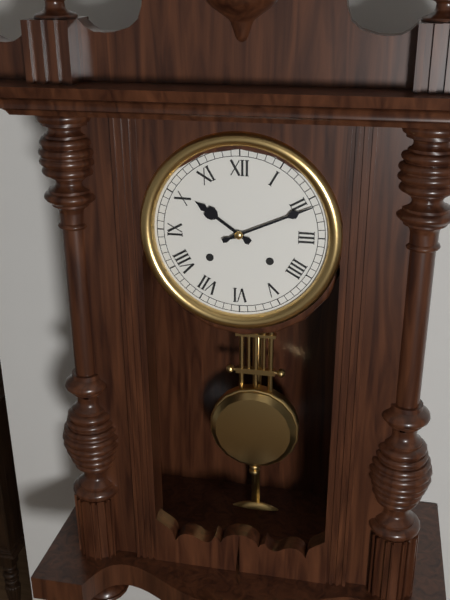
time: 10:11
